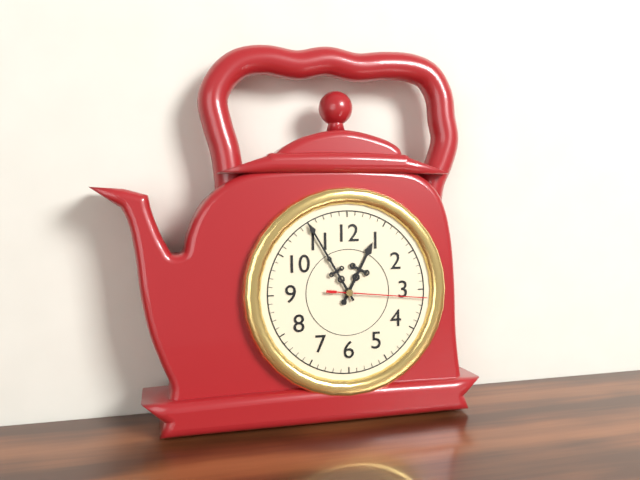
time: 12:55:16
